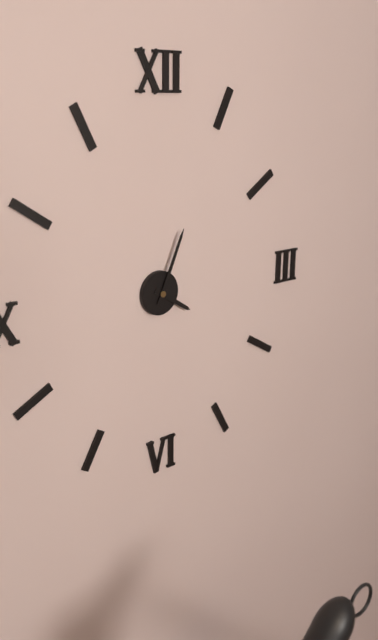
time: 4:04
